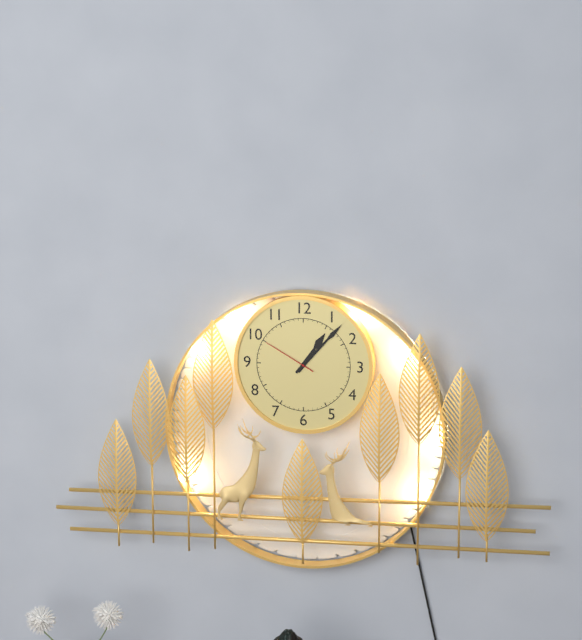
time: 1:07:50
